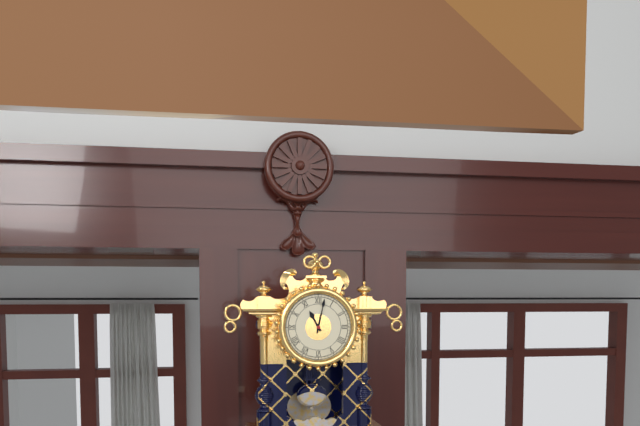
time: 11:02
